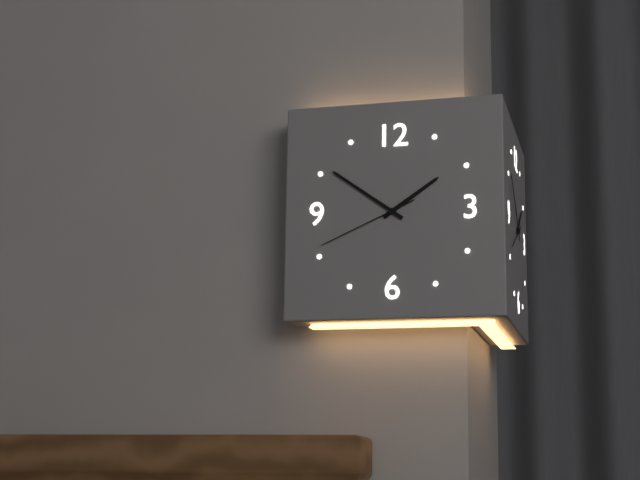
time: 1:51:41
